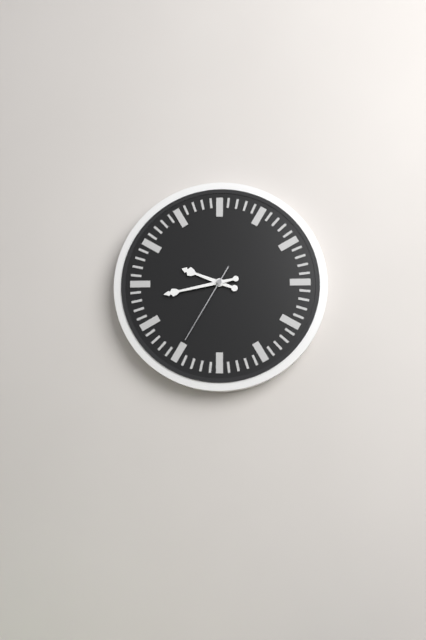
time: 9:43:35
